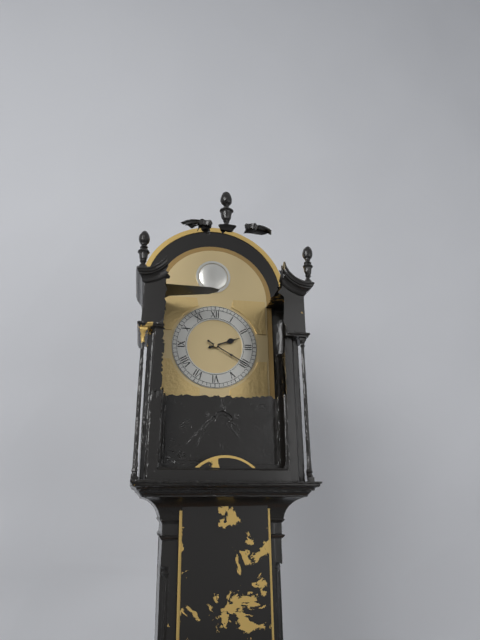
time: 2:20
